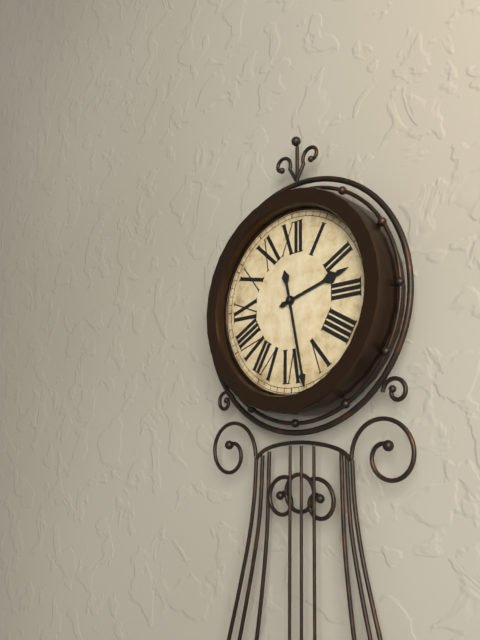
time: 2:28
